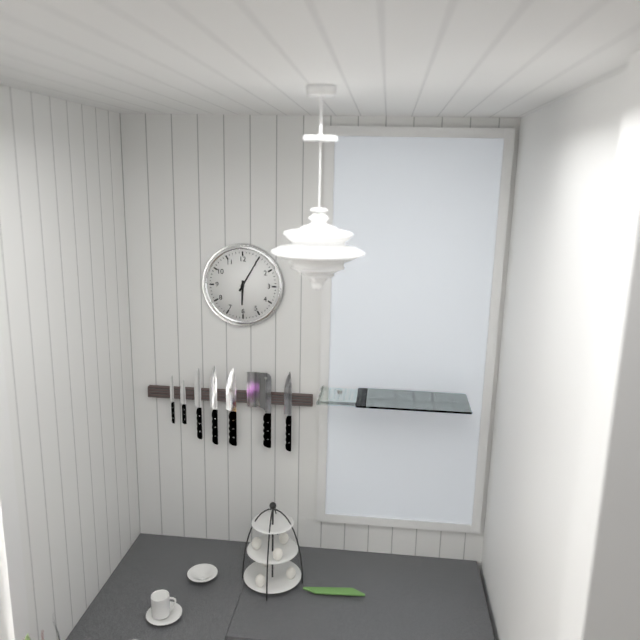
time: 6:05
